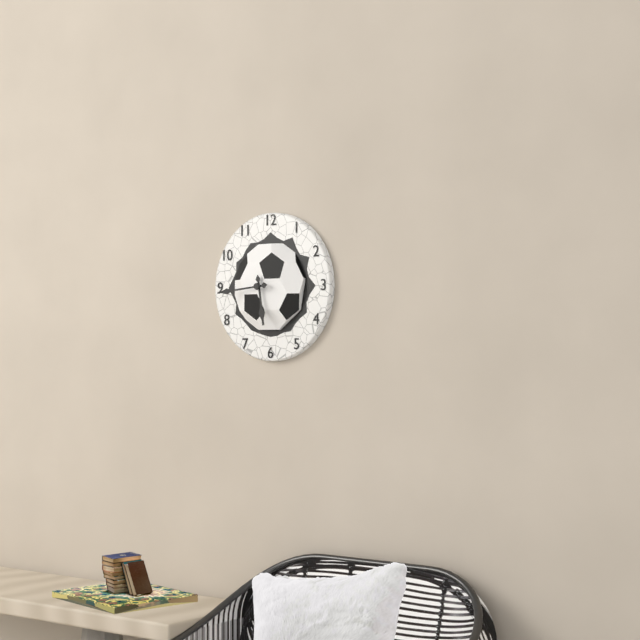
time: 5:44
